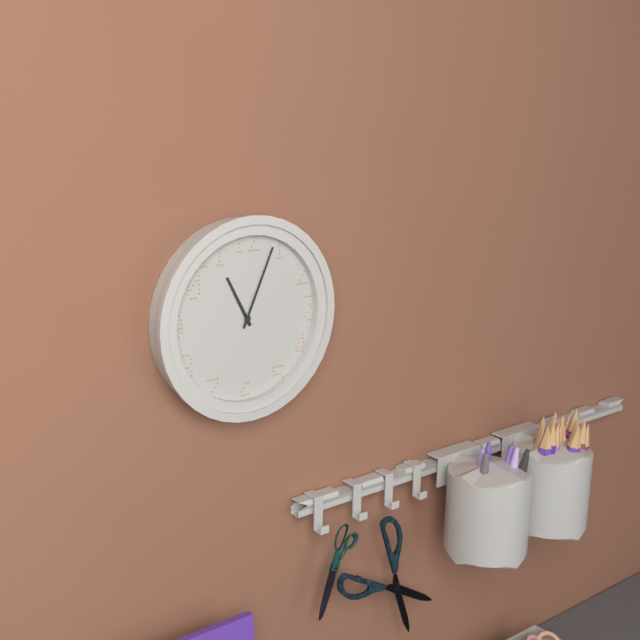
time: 11:04
